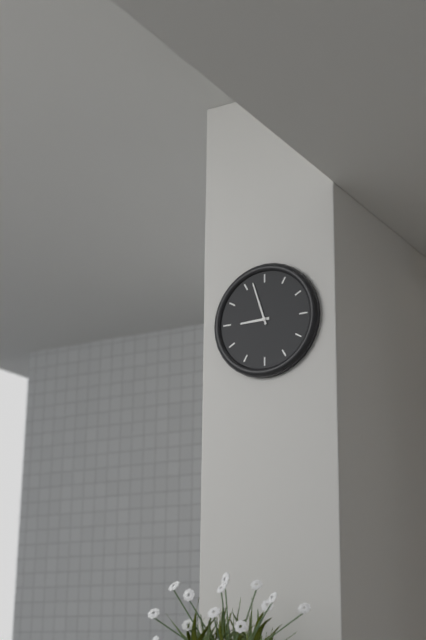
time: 8:57
